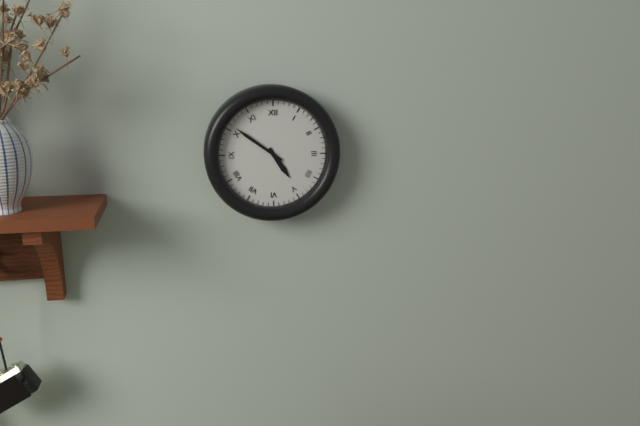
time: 4:51
